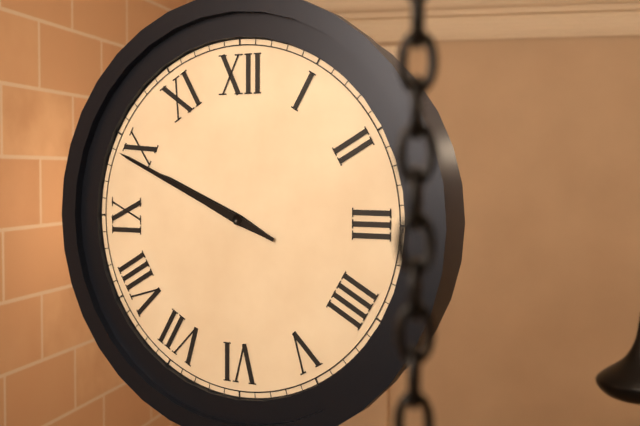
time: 9:49
